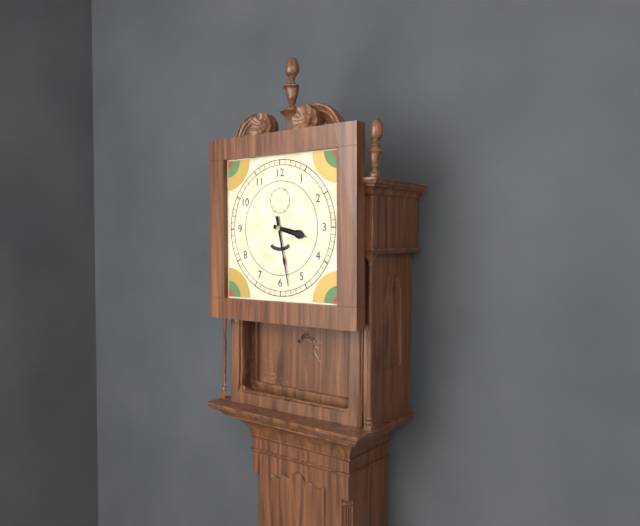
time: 3:28
